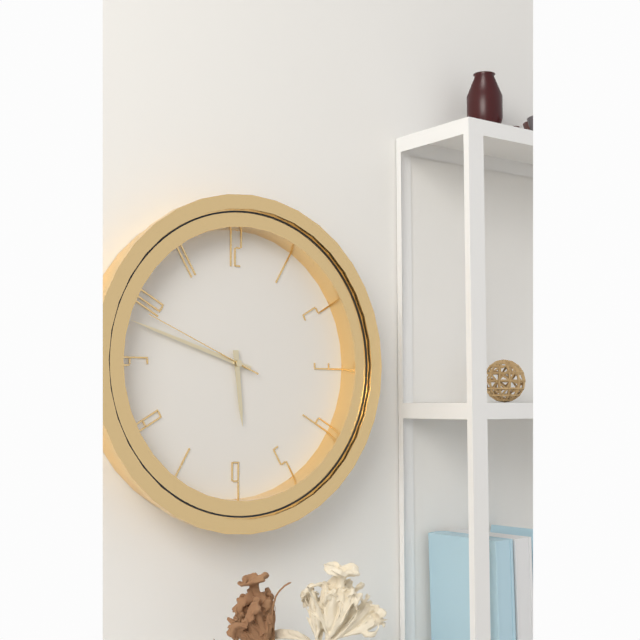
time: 5:48:49
